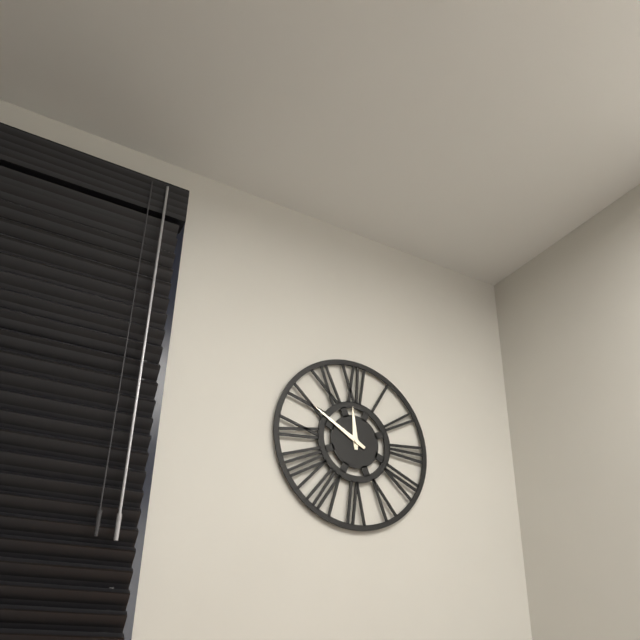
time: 11:50
